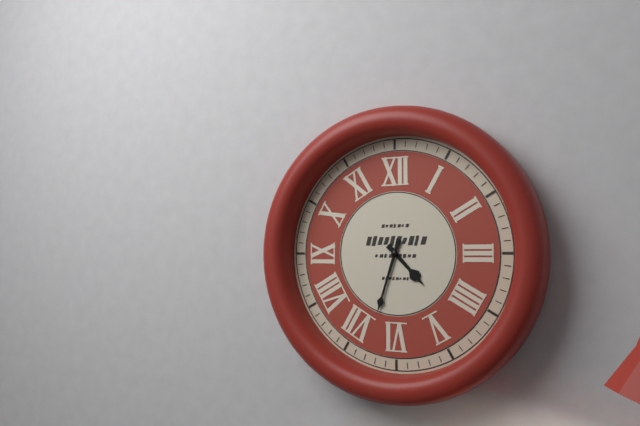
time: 4:33
